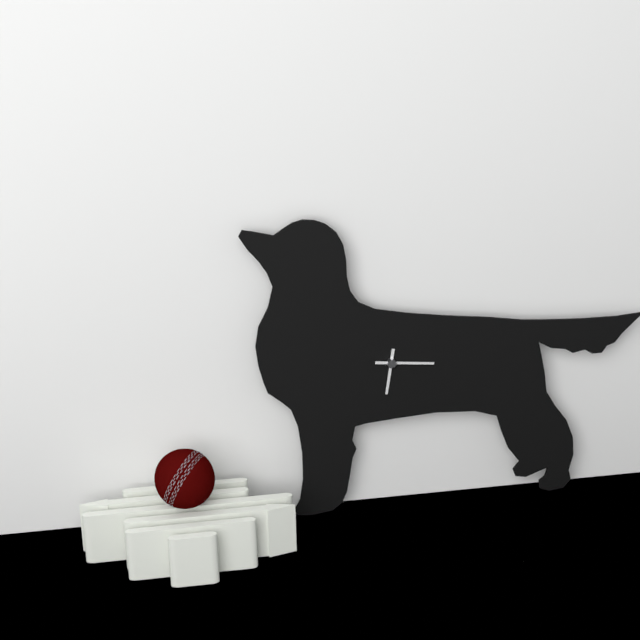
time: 6:16
